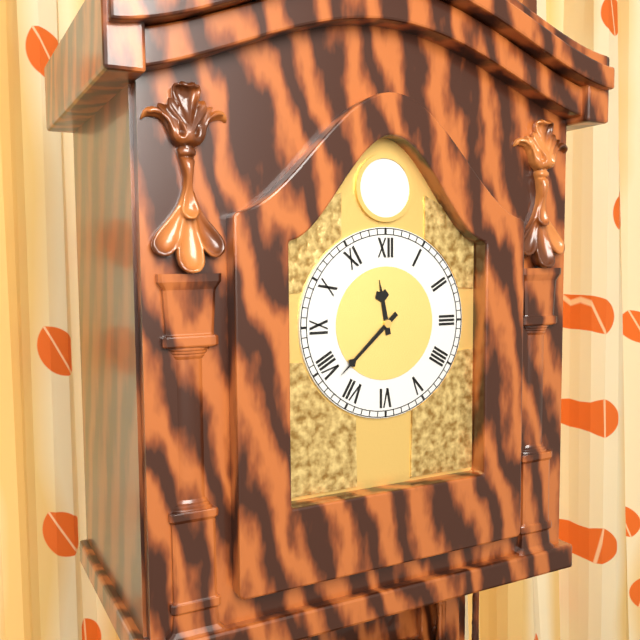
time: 11:38
